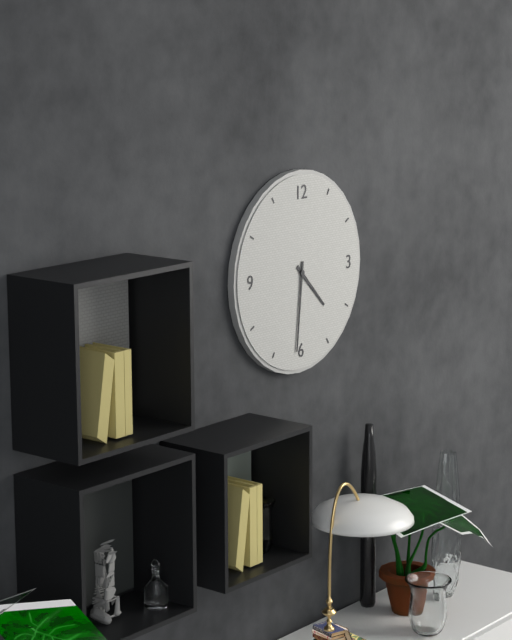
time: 4:31
